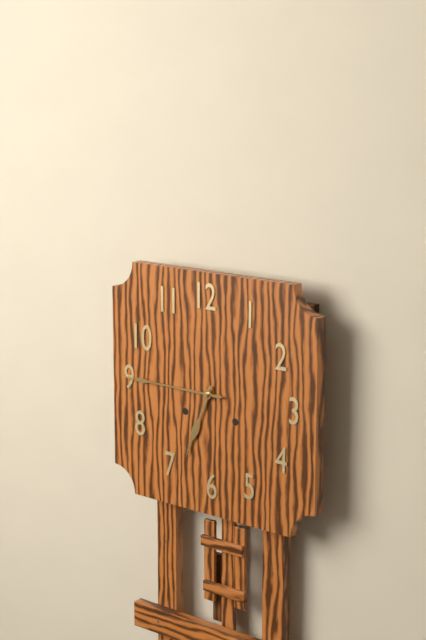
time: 6:45
